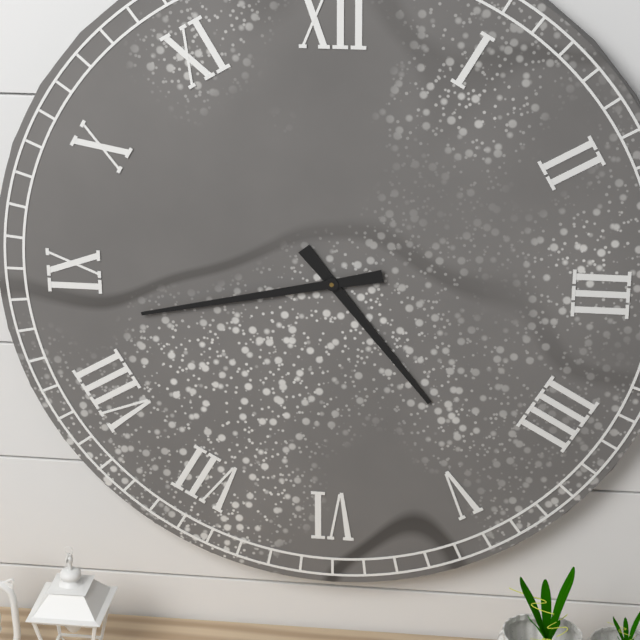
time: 4:43
